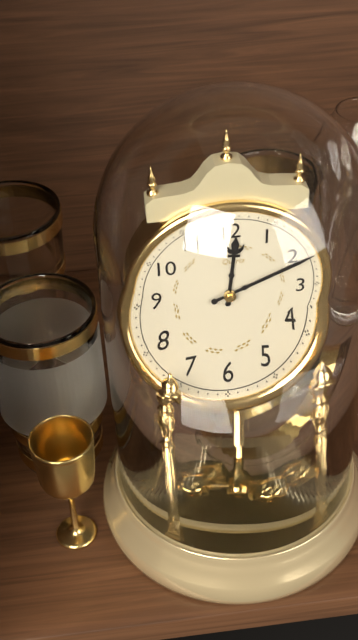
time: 12:11
